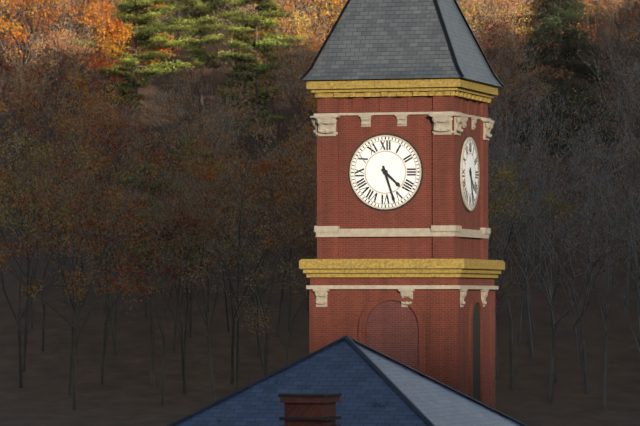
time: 4:27
